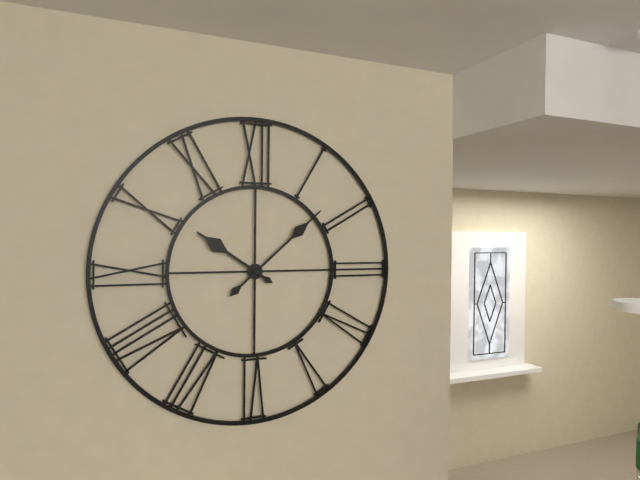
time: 10:08
